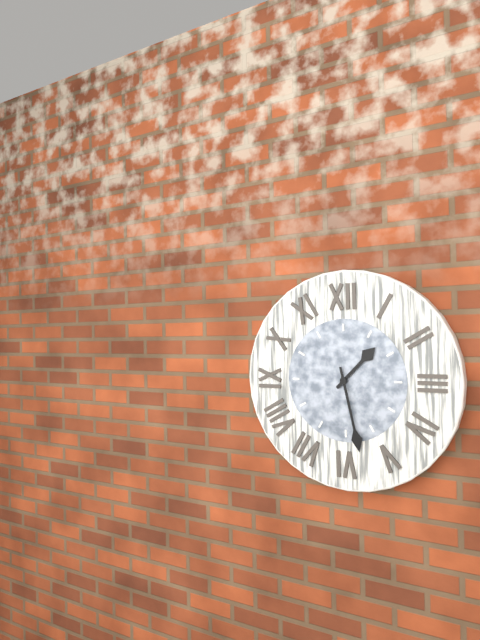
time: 1:28
